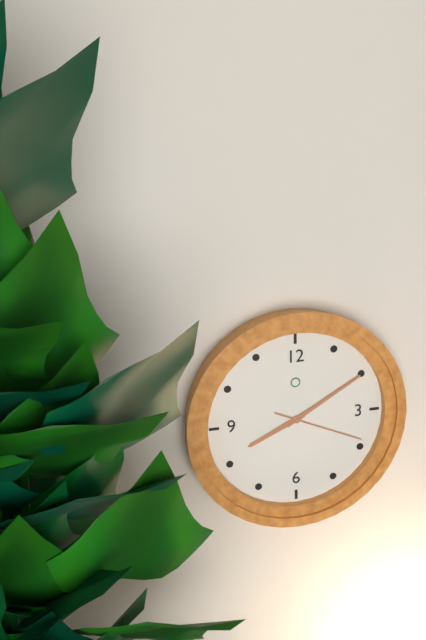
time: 8:10:19
